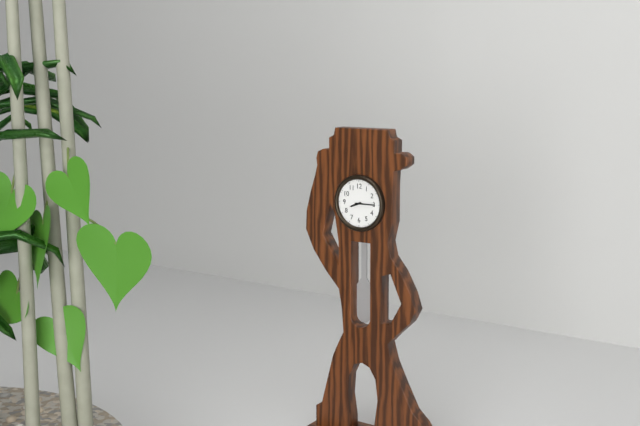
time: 8:15
